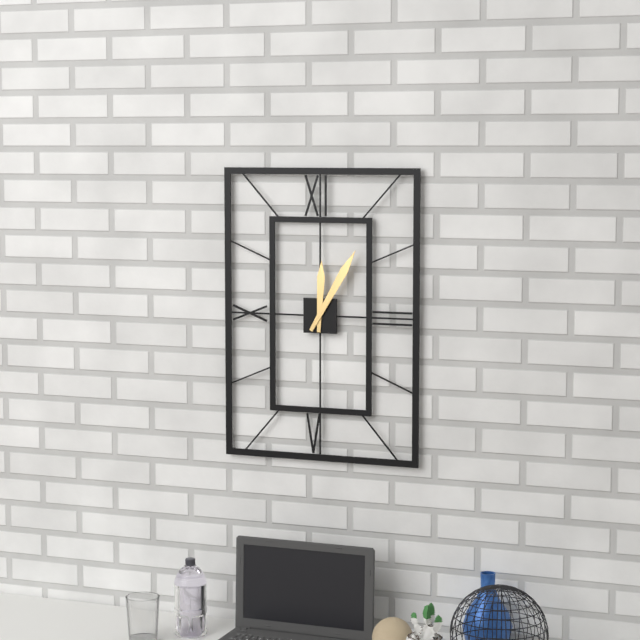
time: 12:05
